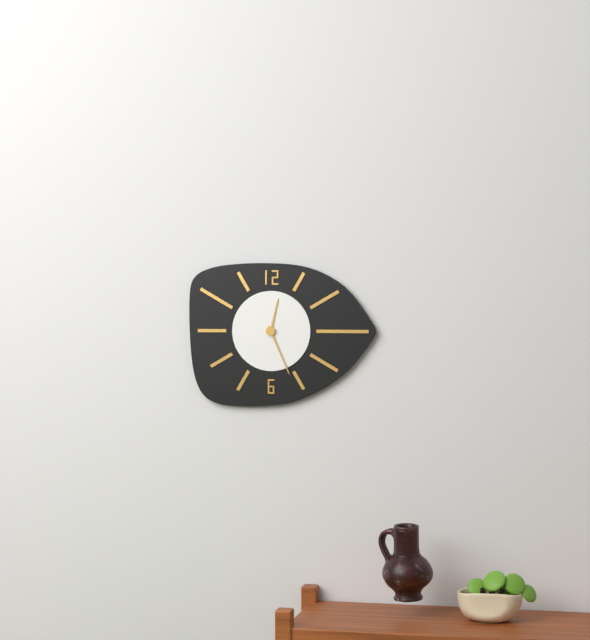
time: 12:26
